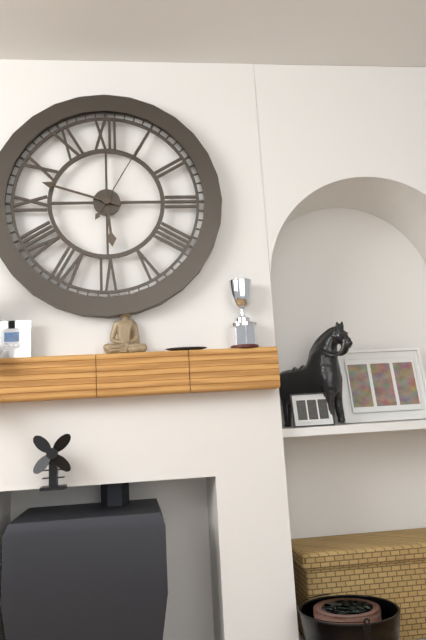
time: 5:48:05
